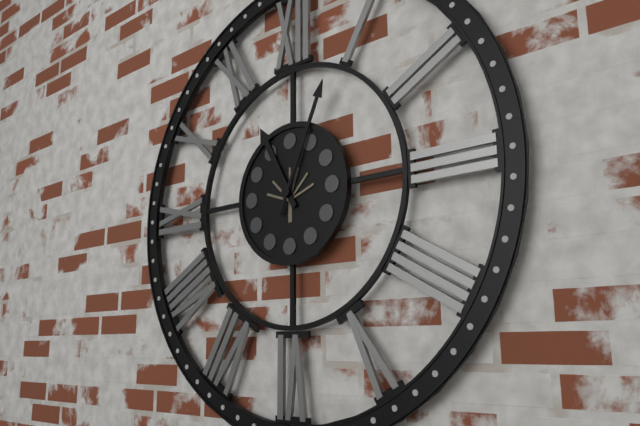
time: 11:04
